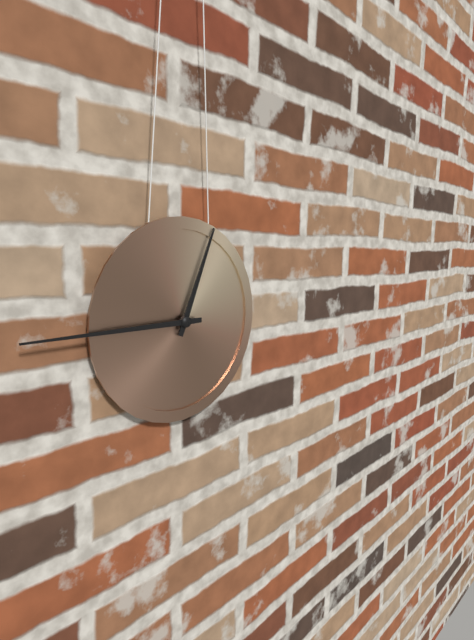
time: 12:45
